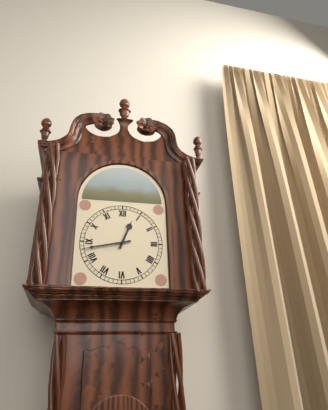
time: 12:43
